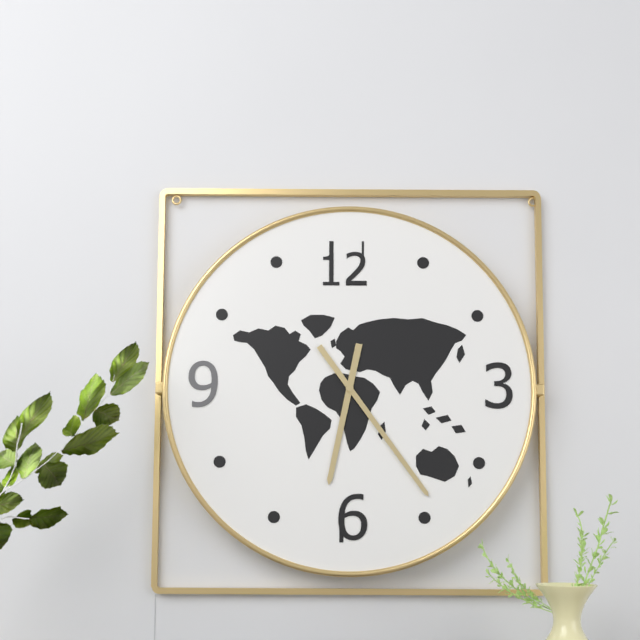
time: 6:24
